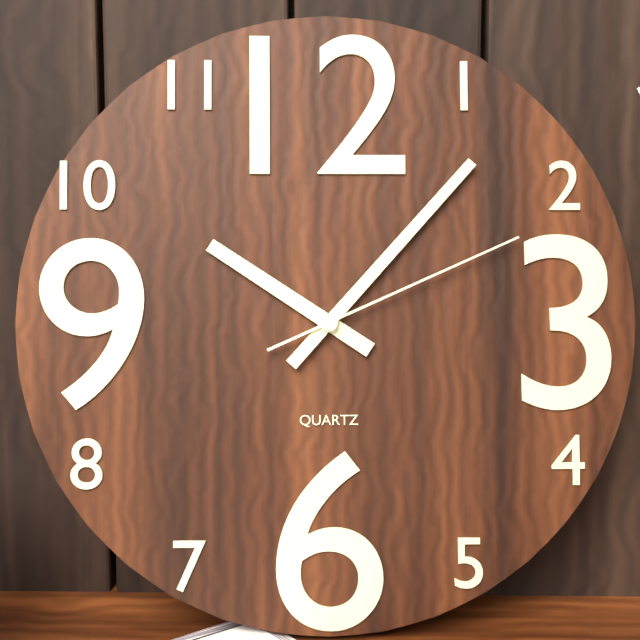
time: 10:07:11
